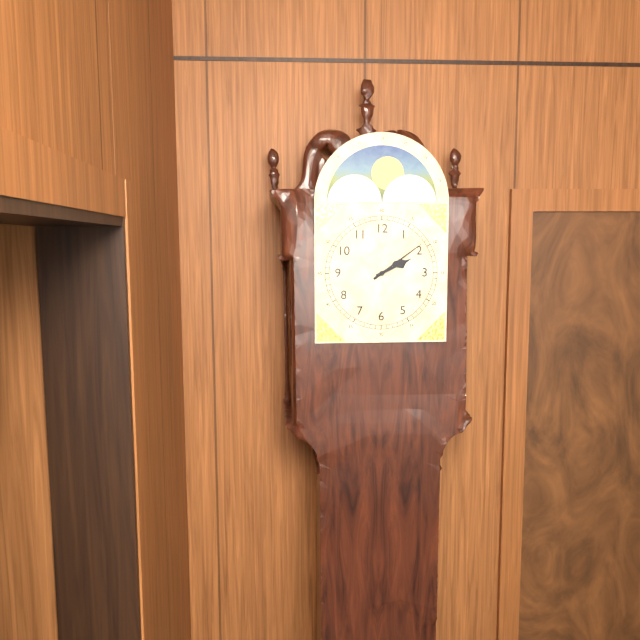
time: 2:09
